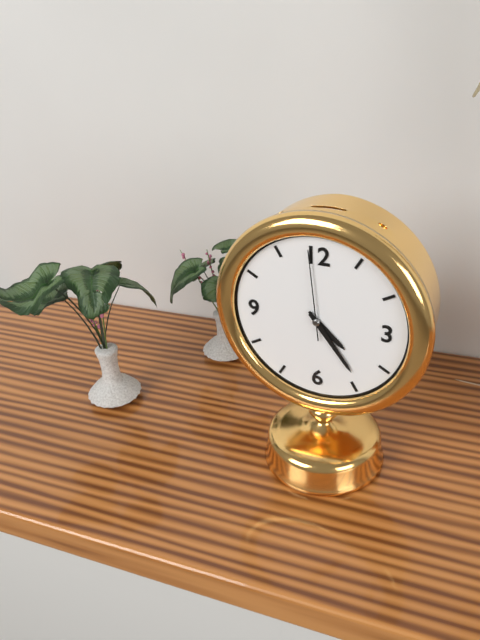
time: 4:24:59
